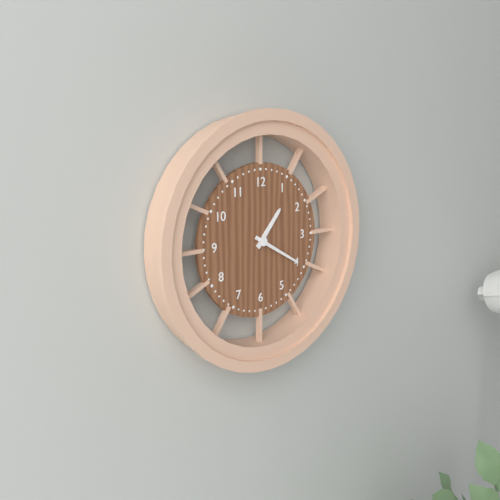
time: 1:20
